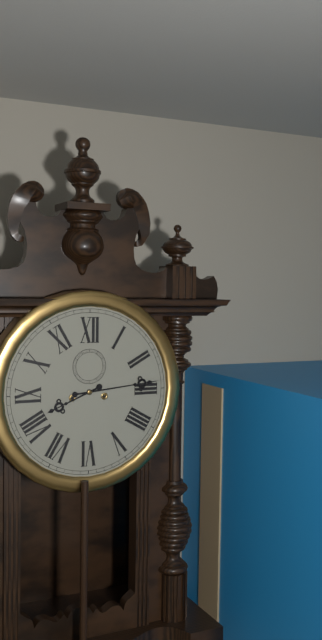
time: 8:14
